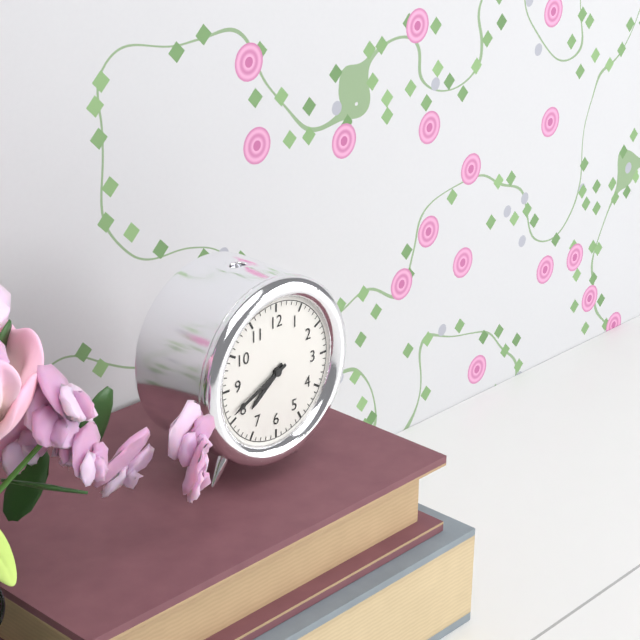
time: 7:41
